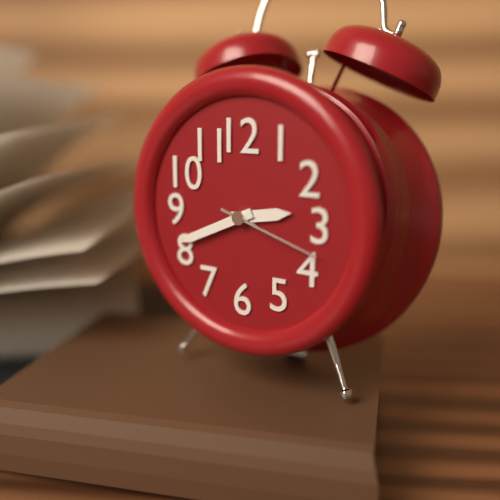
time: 2:41:18
